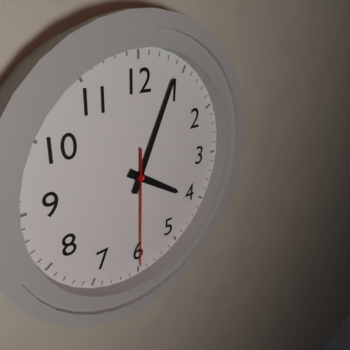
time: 4:04:30
